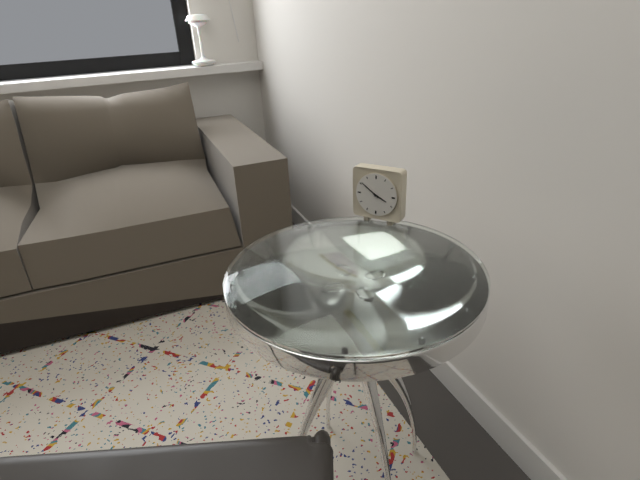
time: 3:51
